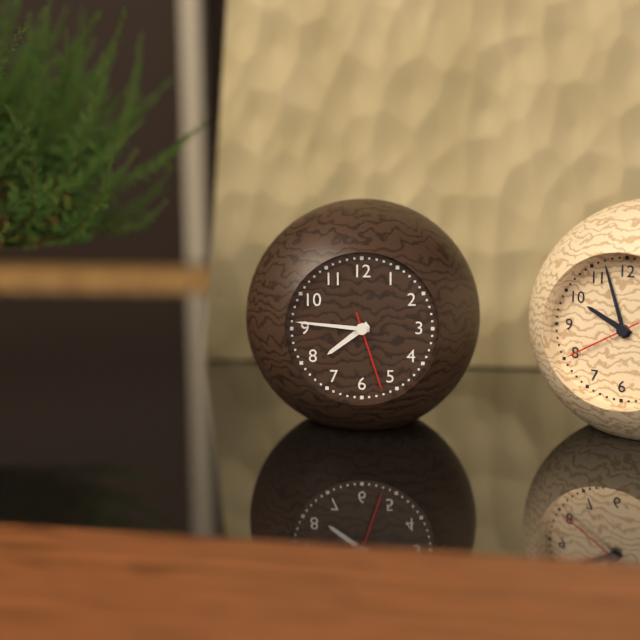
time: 7:46:27
